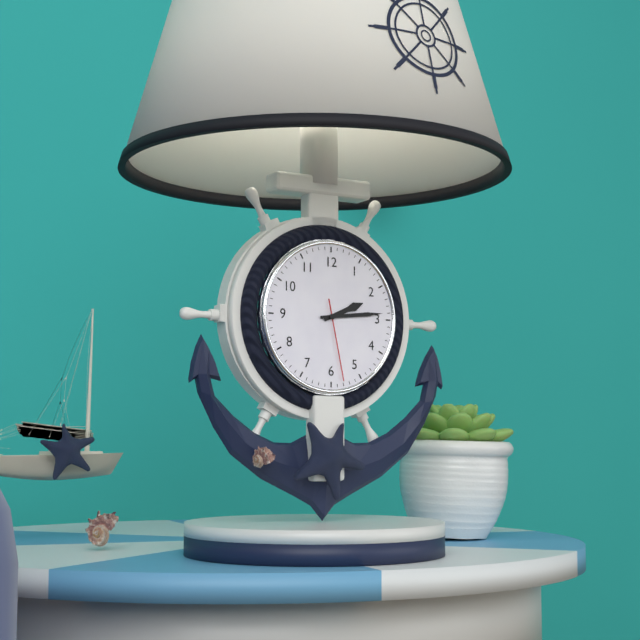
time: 2:14:28
